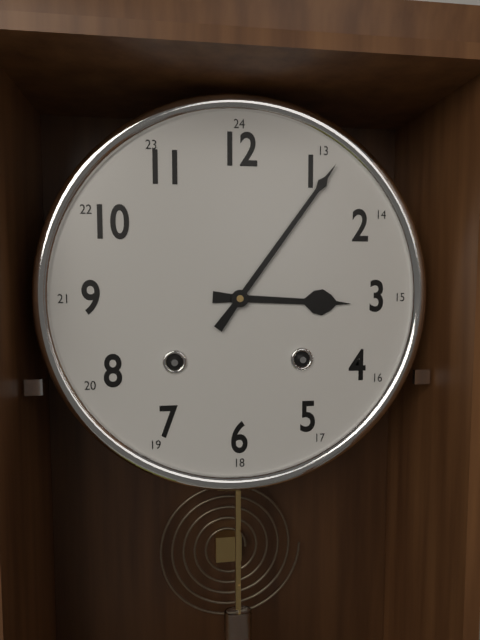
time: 3:06
